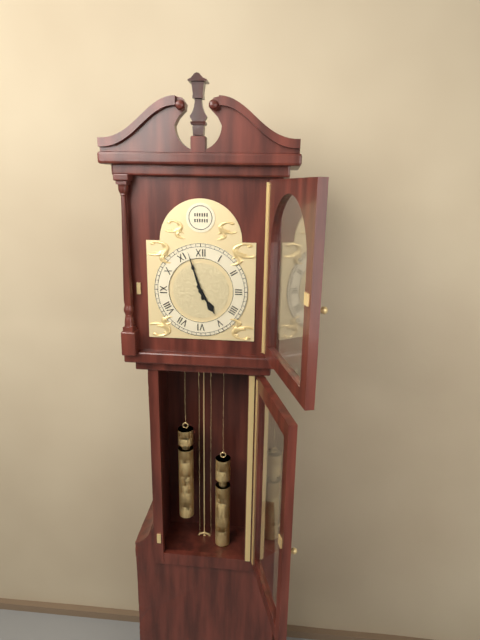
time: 4:57
